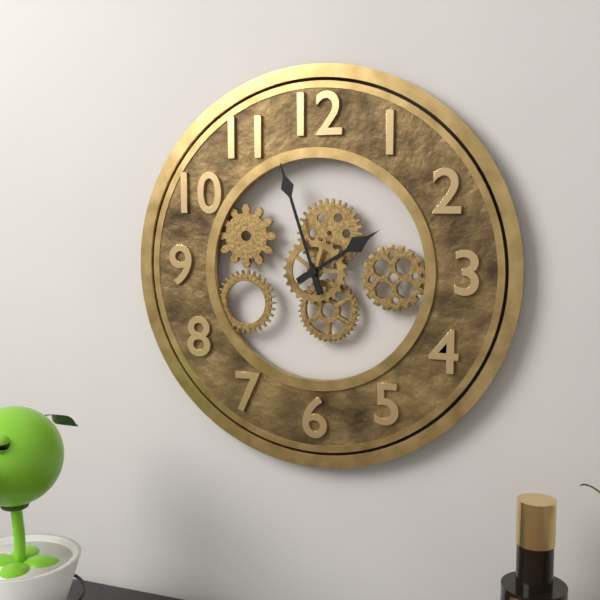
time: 1:57
